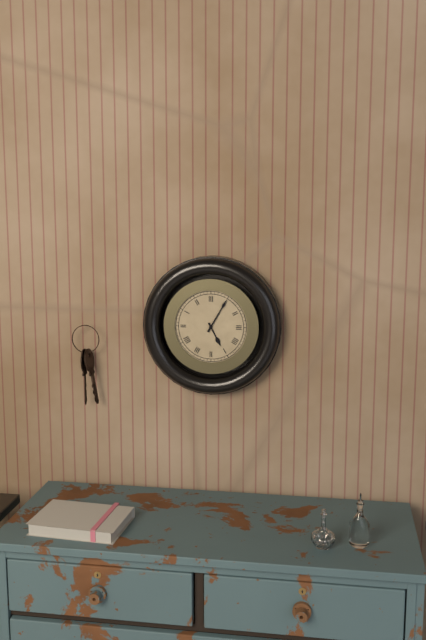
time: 5:05
